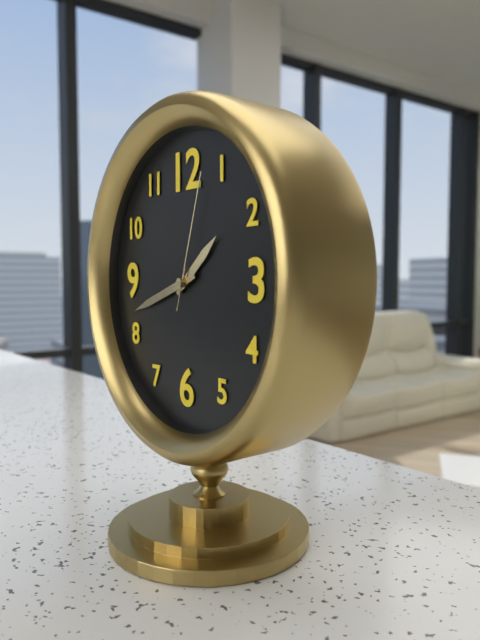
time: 1:42:03
